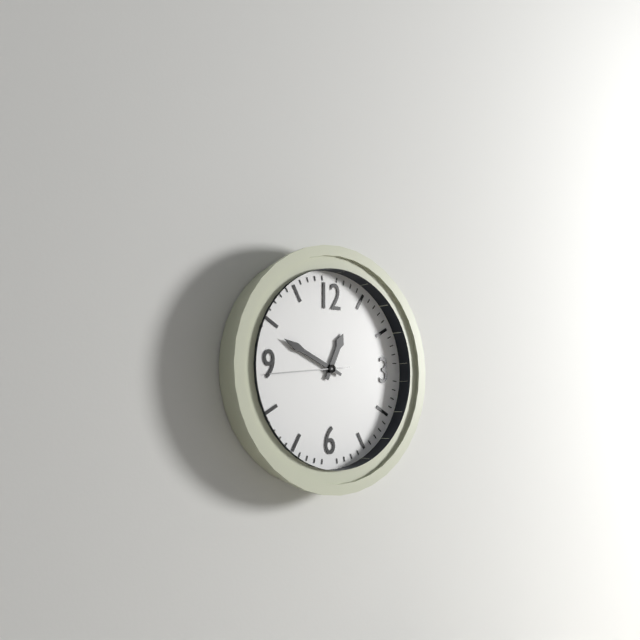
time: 12:49:44
